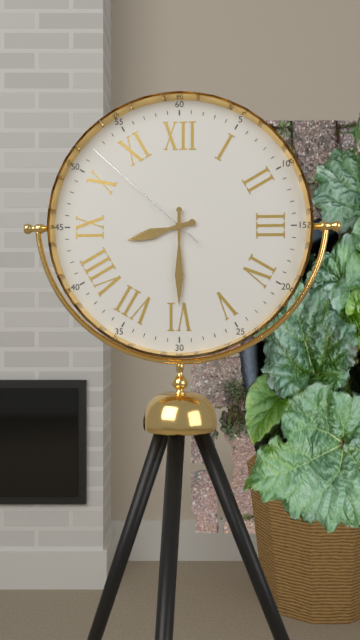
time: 8:30:52
